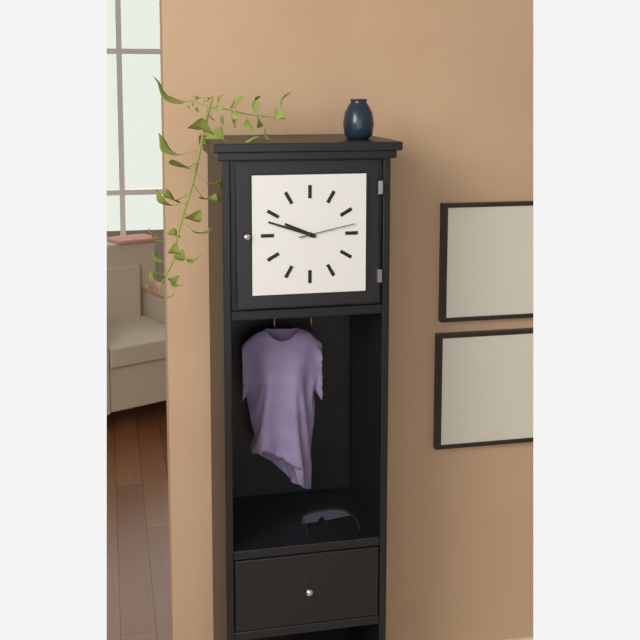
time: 9:48:13
